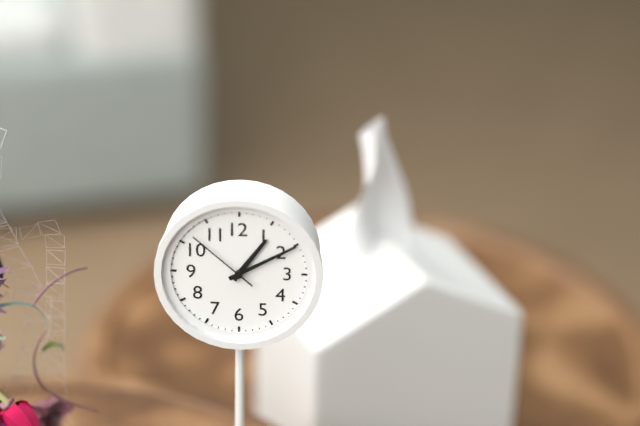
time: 1:10:52
